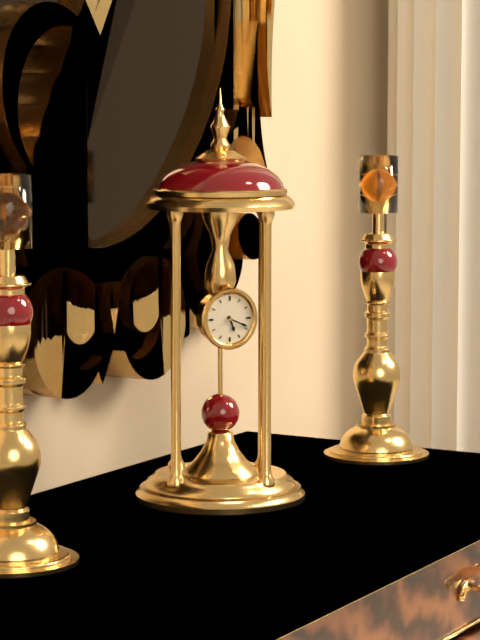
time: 5:19
